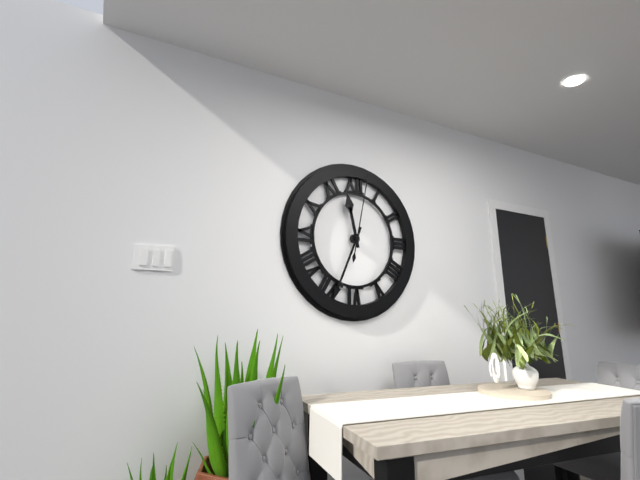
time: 11:34:02
